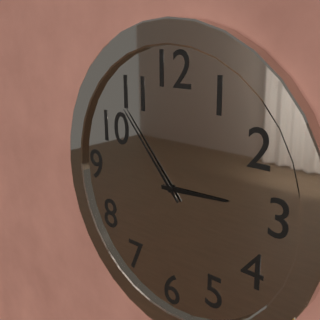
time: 2:53
